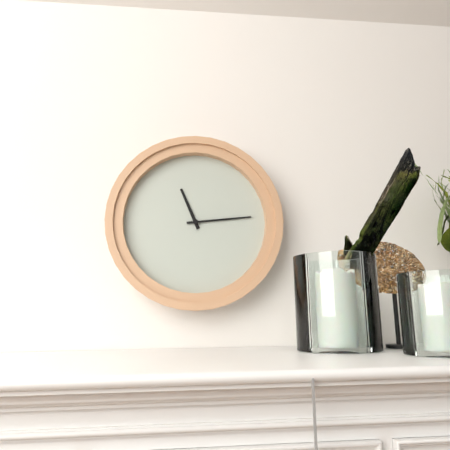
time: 11:14
